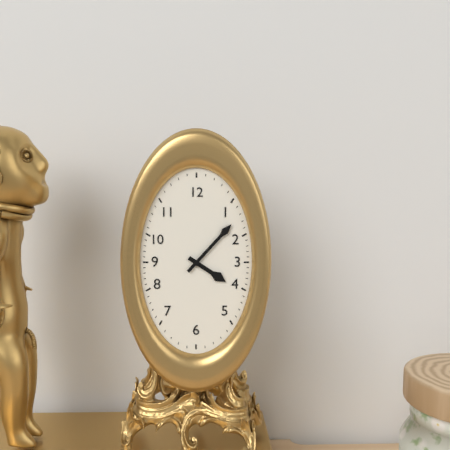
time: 4:07
